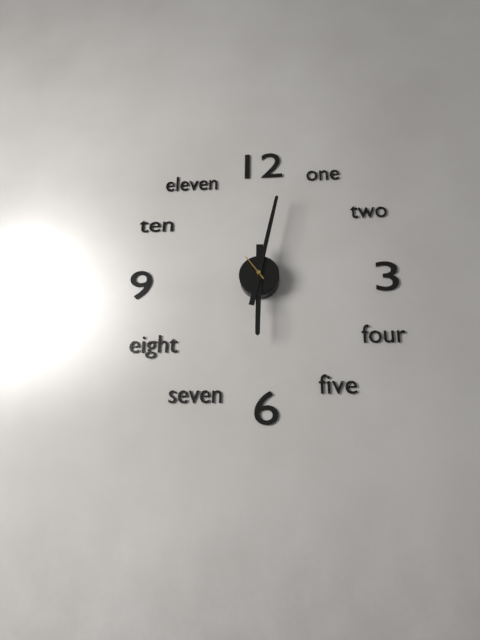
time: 6:02
